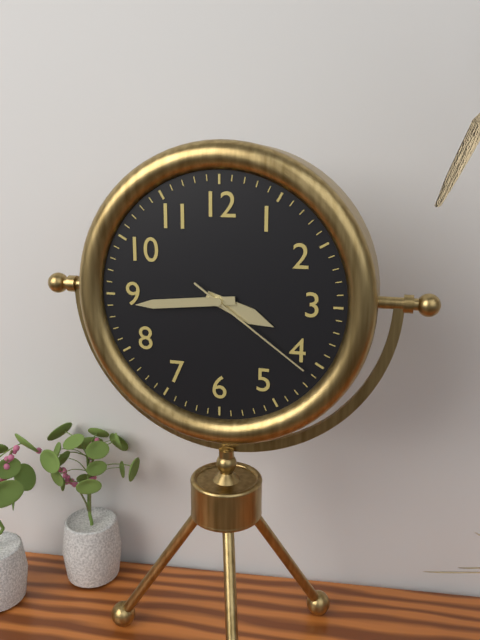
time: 3:44:21
